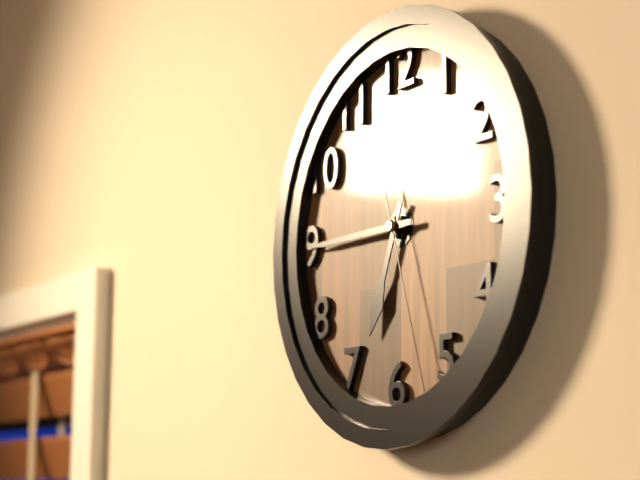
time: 6:45:27
